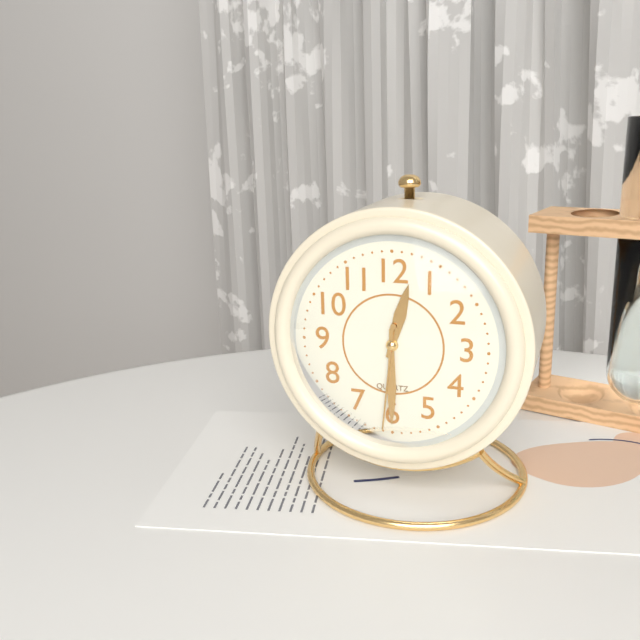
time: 12:30:31
